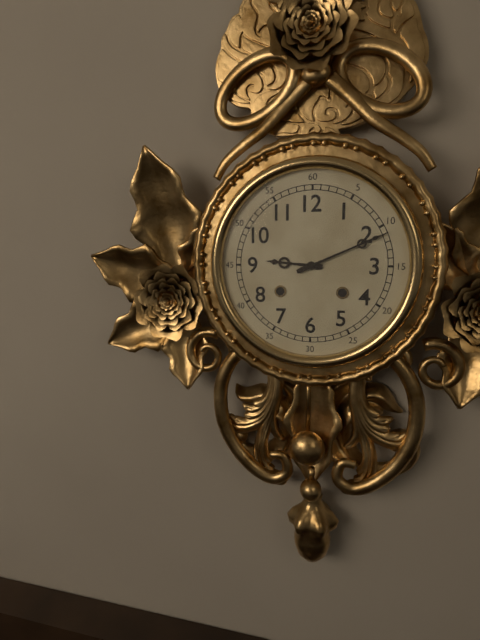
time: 9:11
